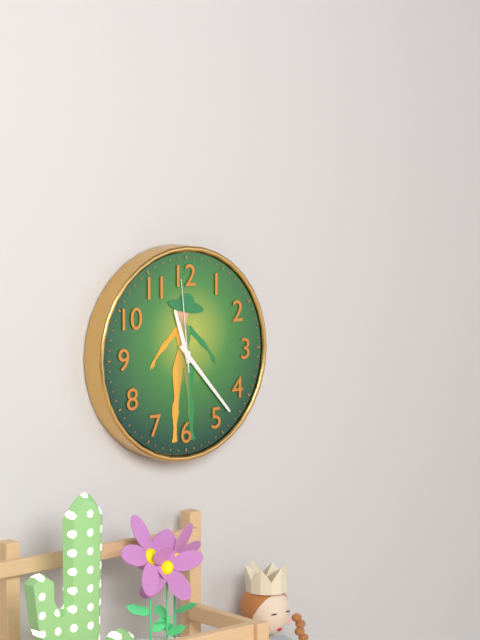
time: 11:23:59
